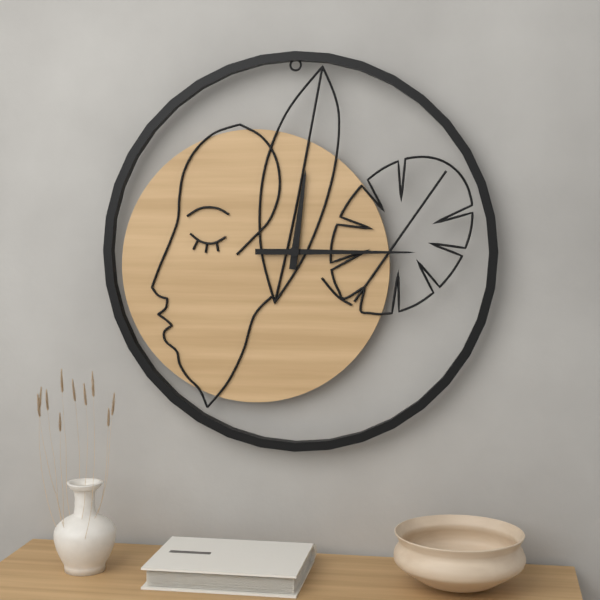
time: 12:15
